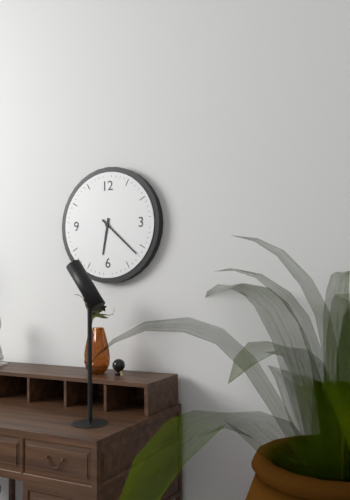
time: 6:22
